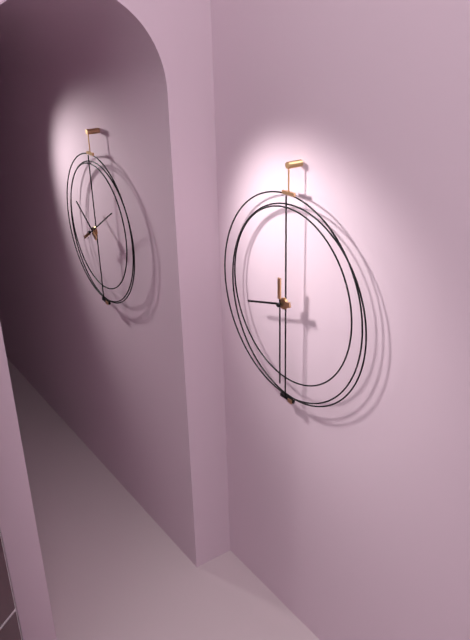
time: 8:30
